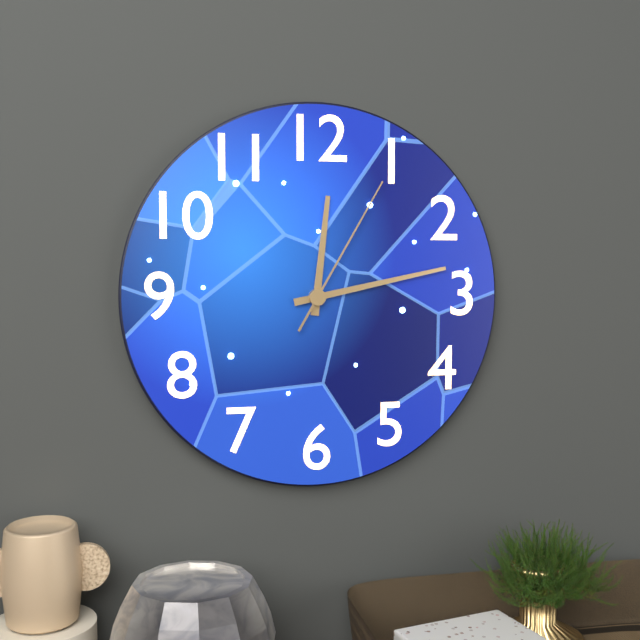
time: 12:13:05
